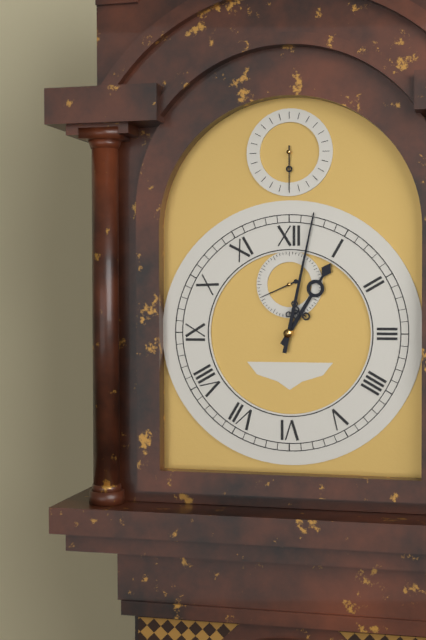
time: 1:02
